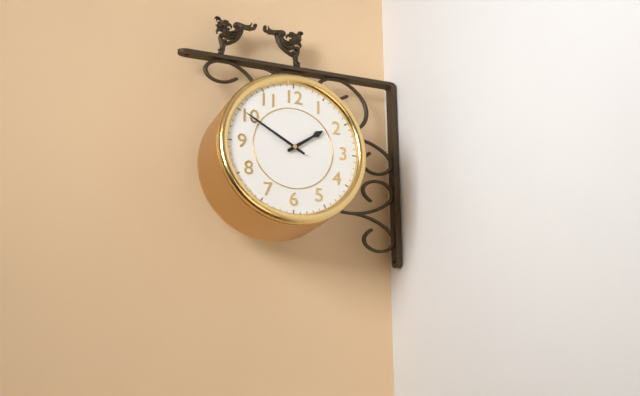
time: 1:50
